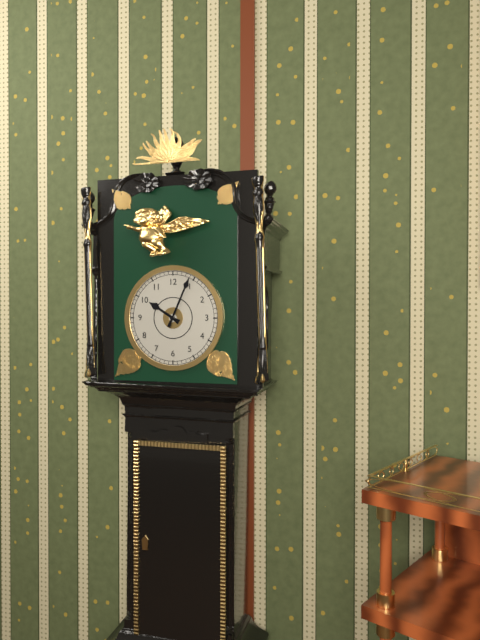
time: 10:04
